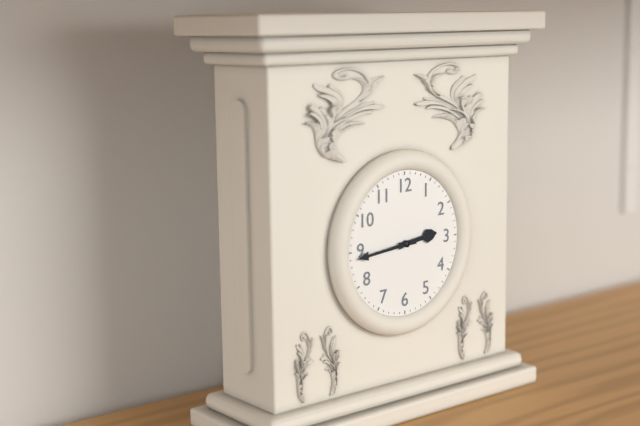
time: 2:44
